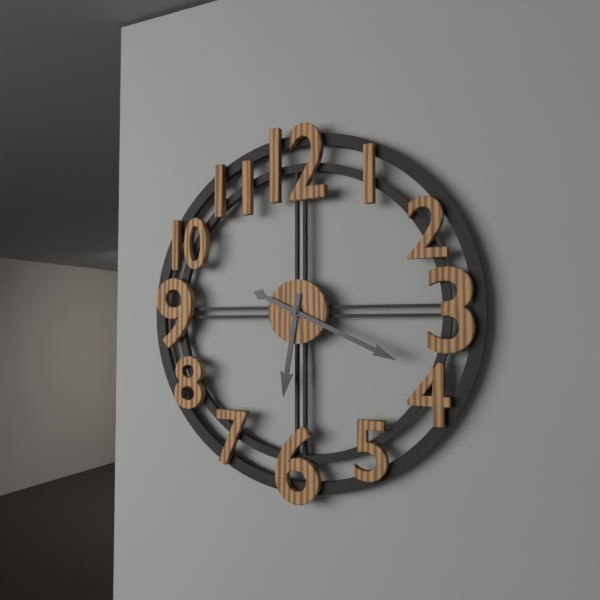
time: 6:19
